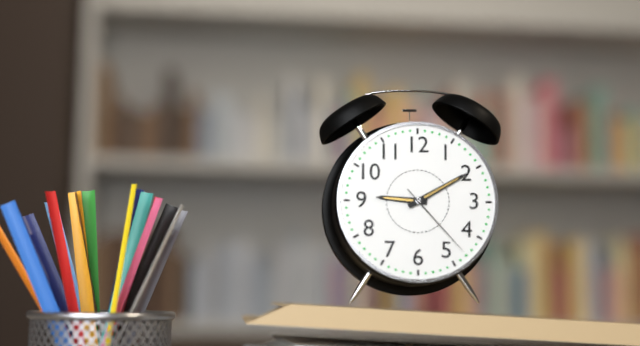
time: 9:10:23
